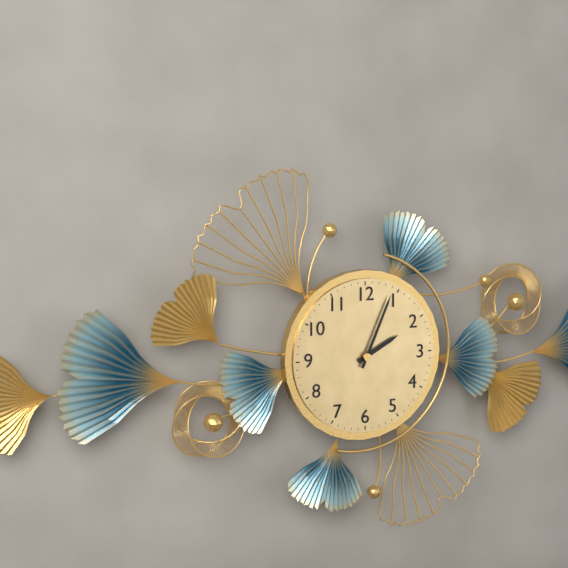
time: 2:04
